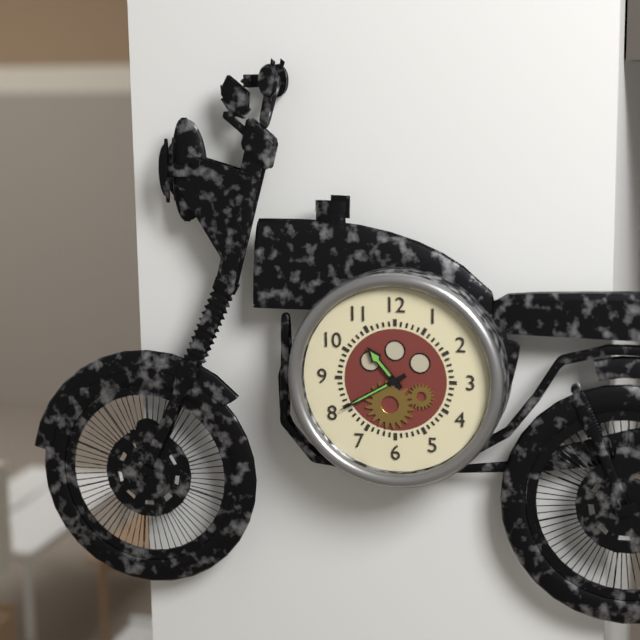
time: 10:40
